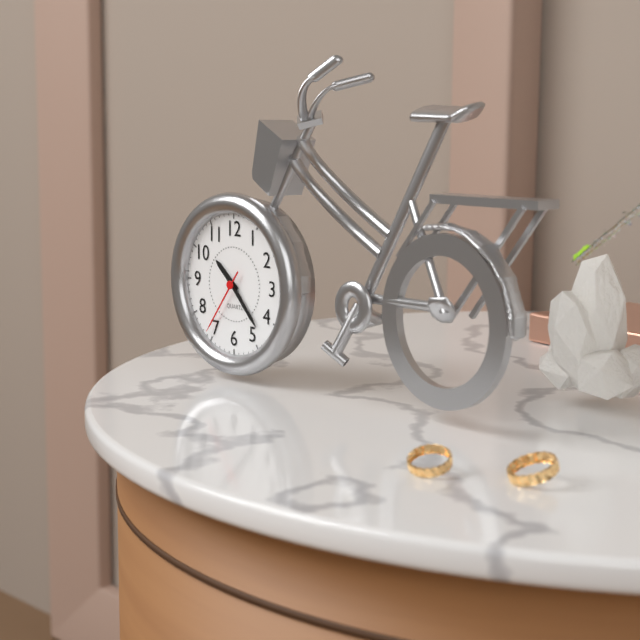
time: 10:23:36
